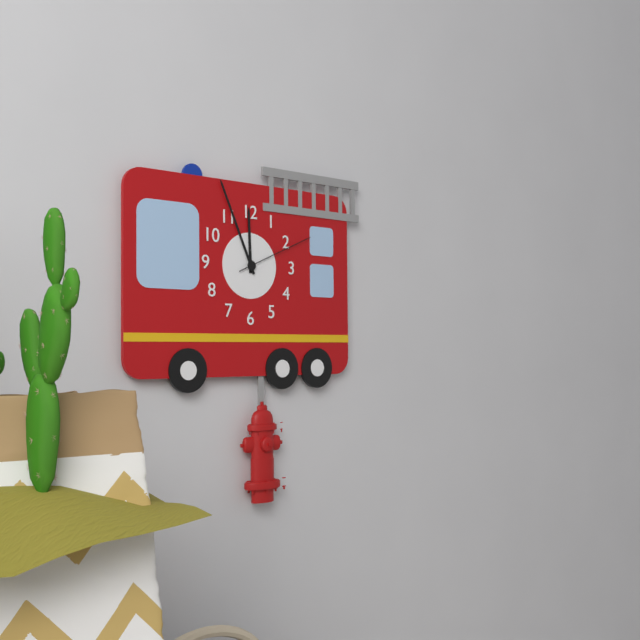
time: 11:56:11
